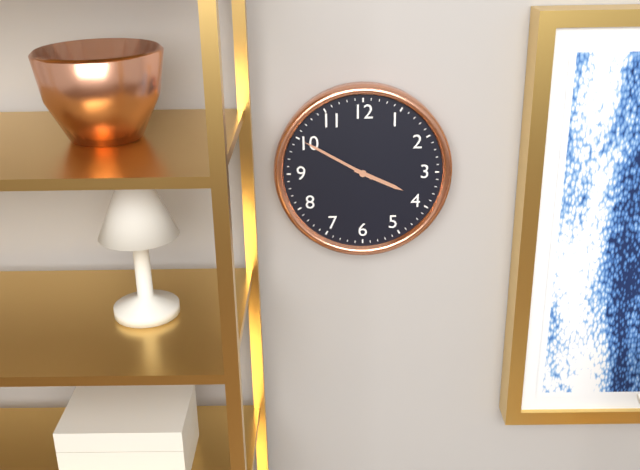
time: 3:50
